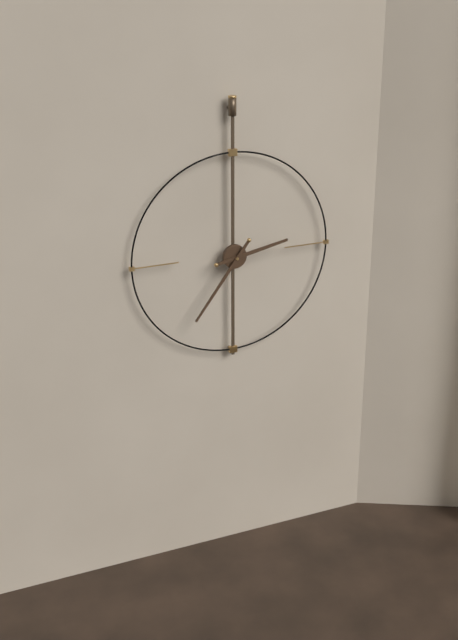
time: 2:36
